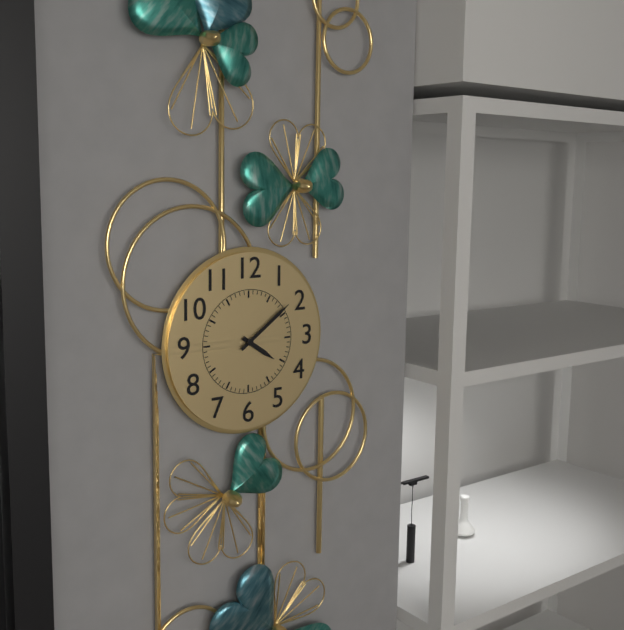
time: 4:09
